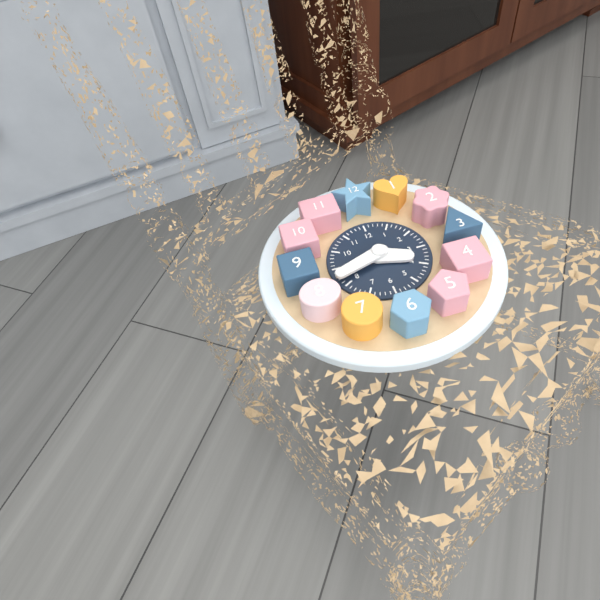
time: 3:42
